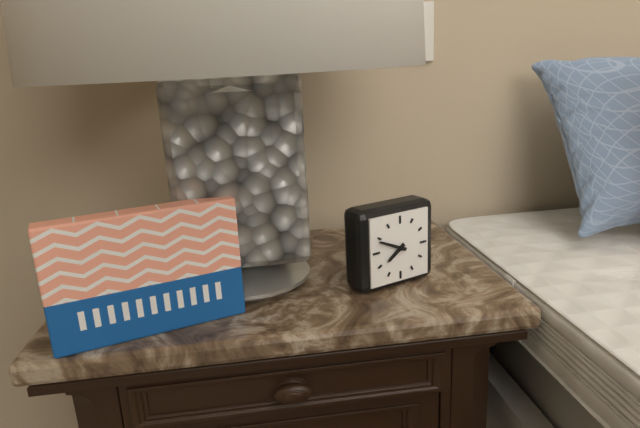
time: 7:49
